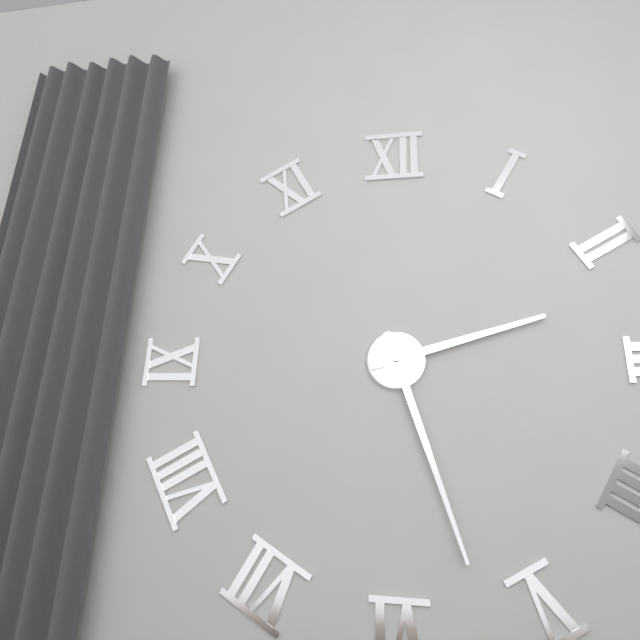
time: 2:27
